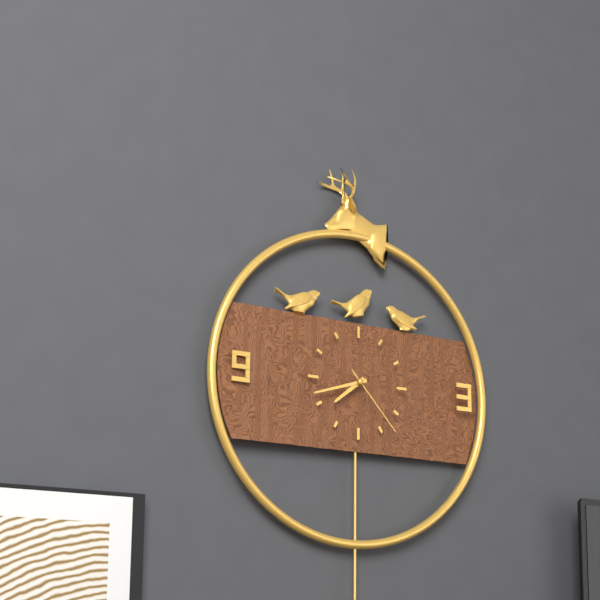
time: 7:42:23
